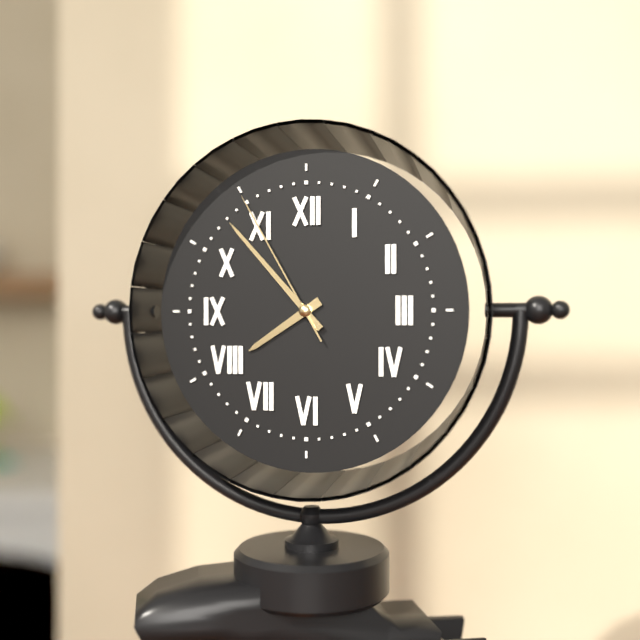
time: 7:53:55
